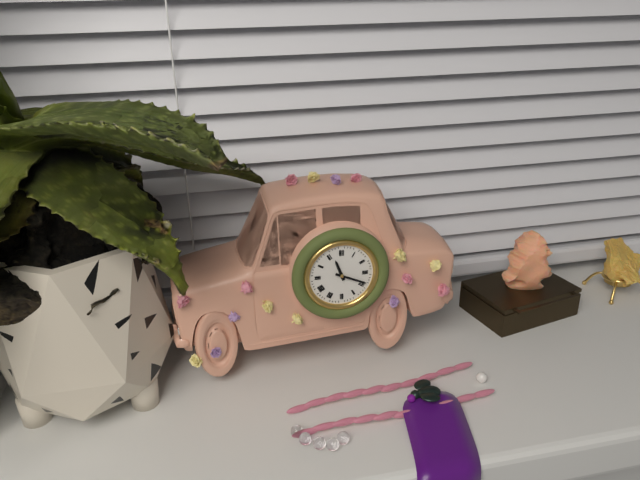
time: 11:19
